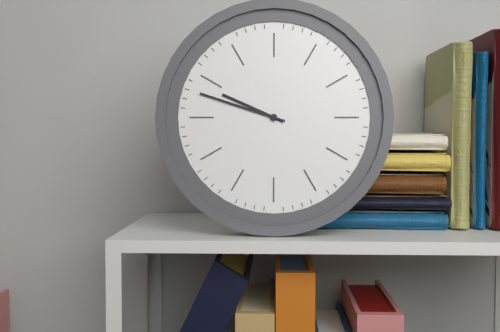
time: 9:48
